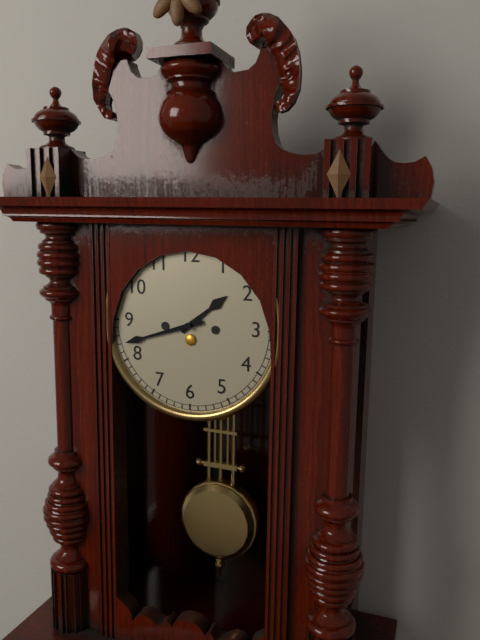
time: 1:42
